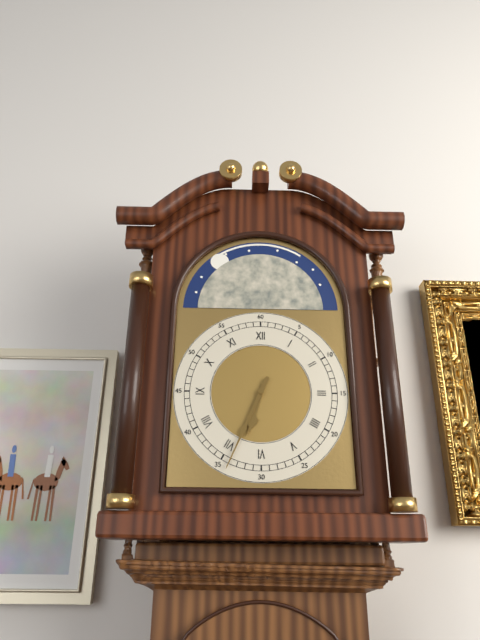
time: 6:34
